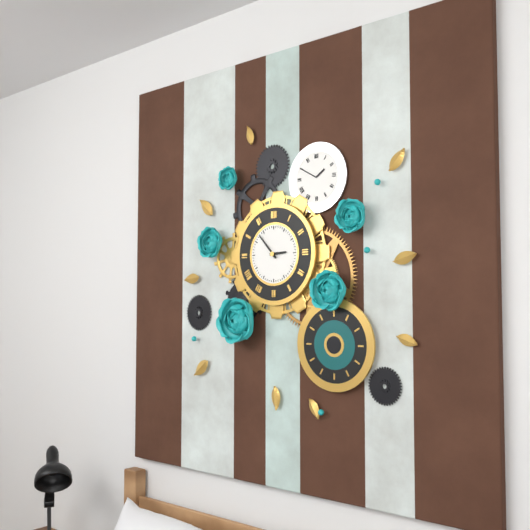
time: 2:53
